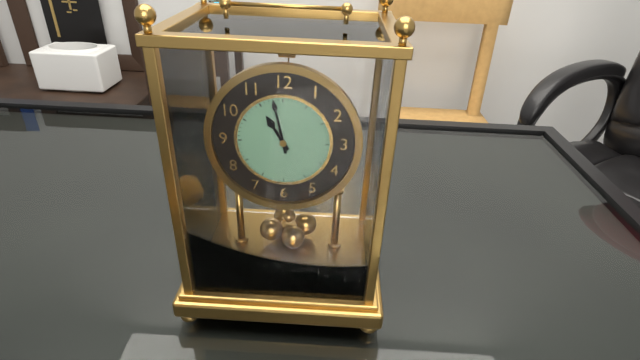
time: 10:58
